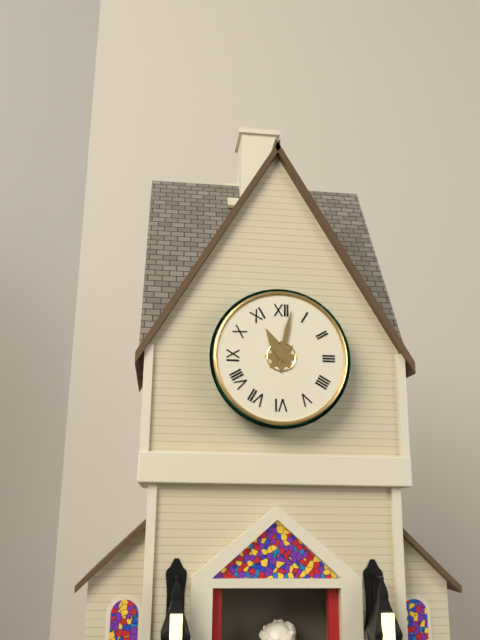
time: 11:02
